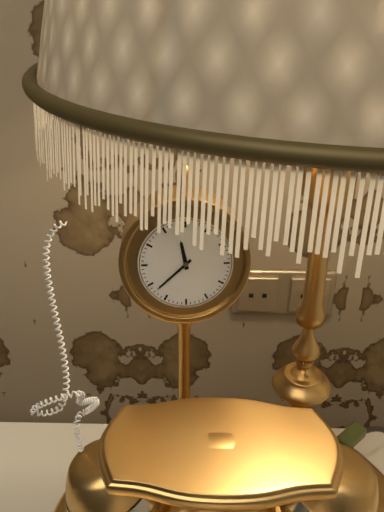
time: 11:38
